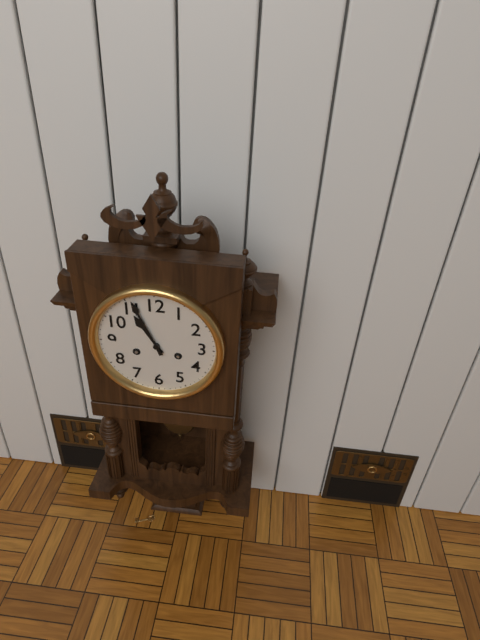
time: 10:56
